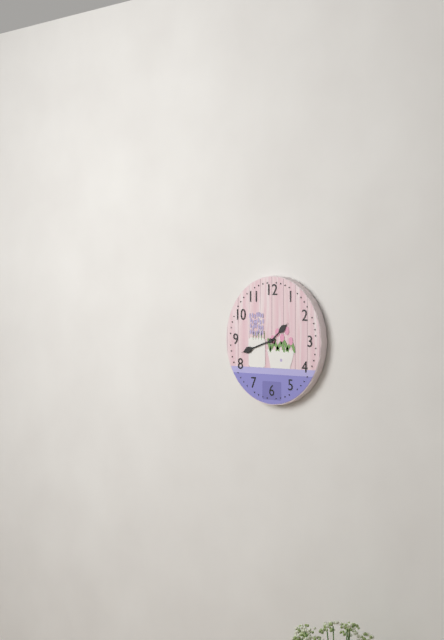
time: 1:42
